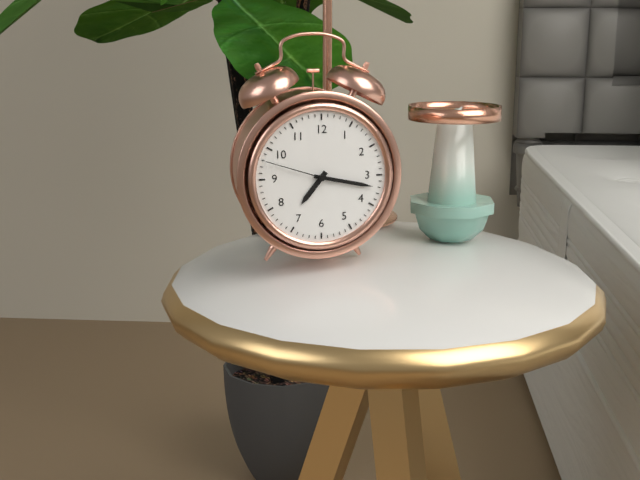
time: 7:17:48
